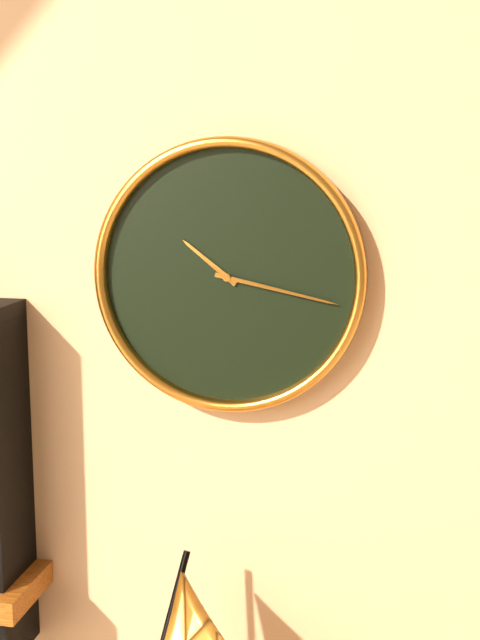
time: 10:17
